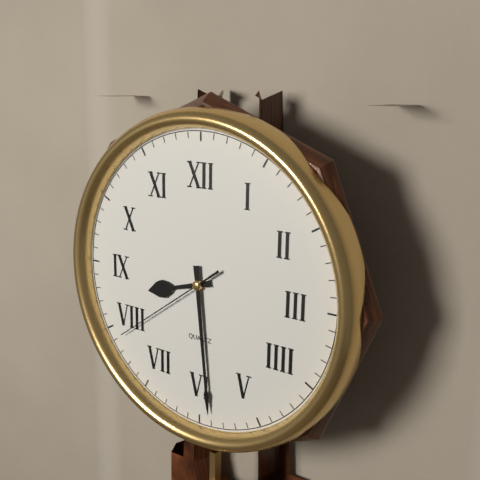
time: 8:29:39
